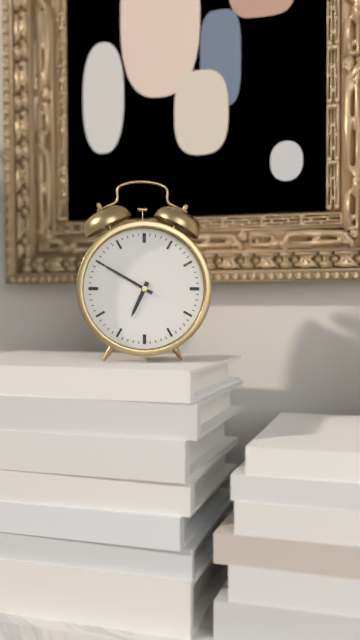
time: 6:50
